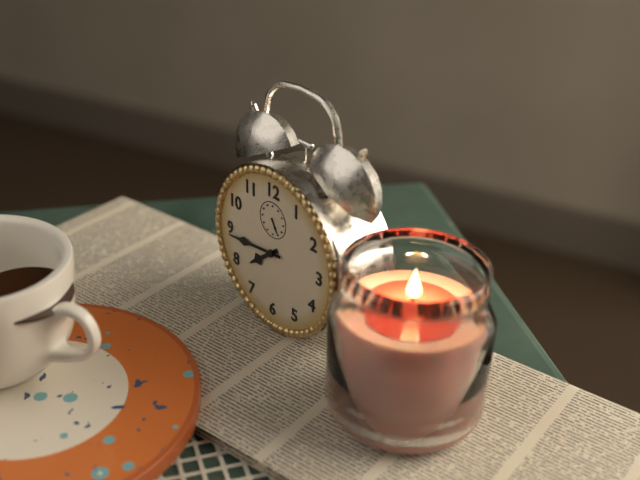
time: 7:44
